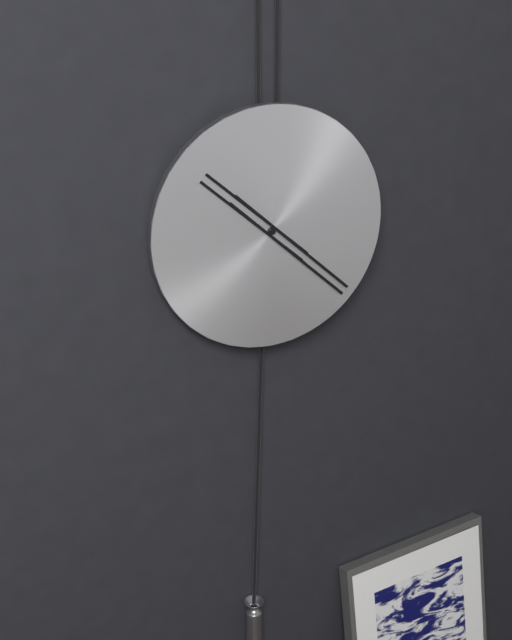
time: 10:22
